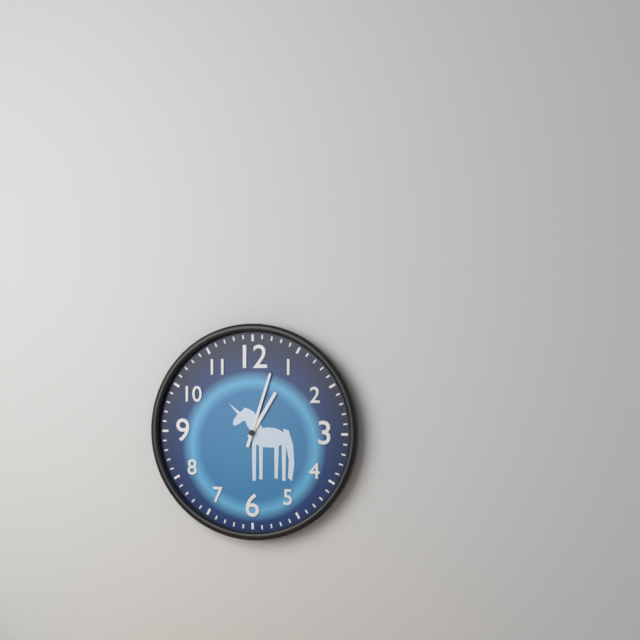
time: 1:03
